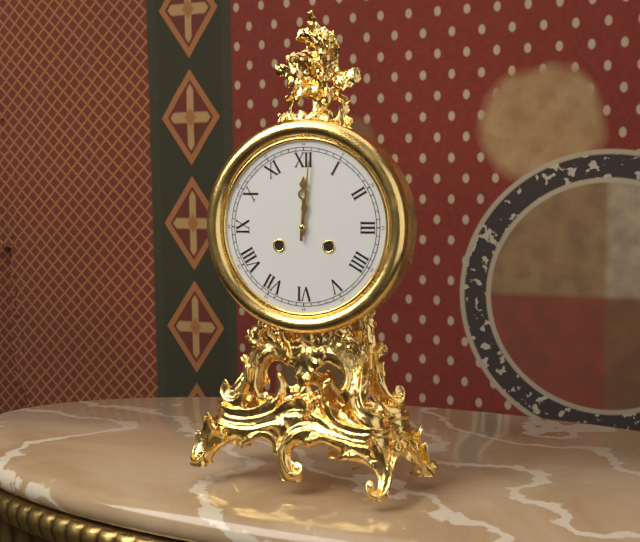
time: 12:01
